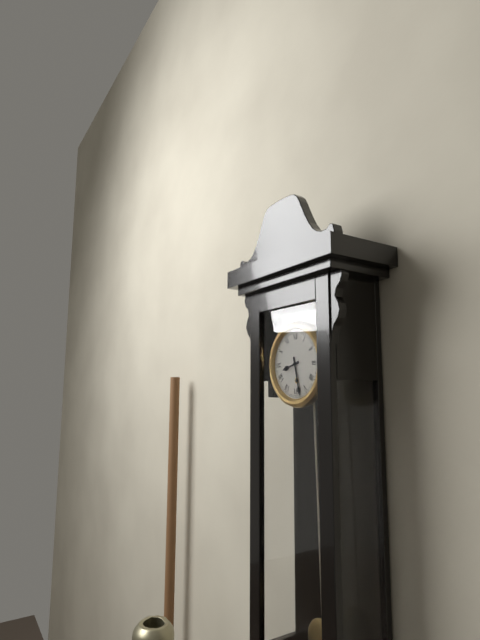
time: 8:28
